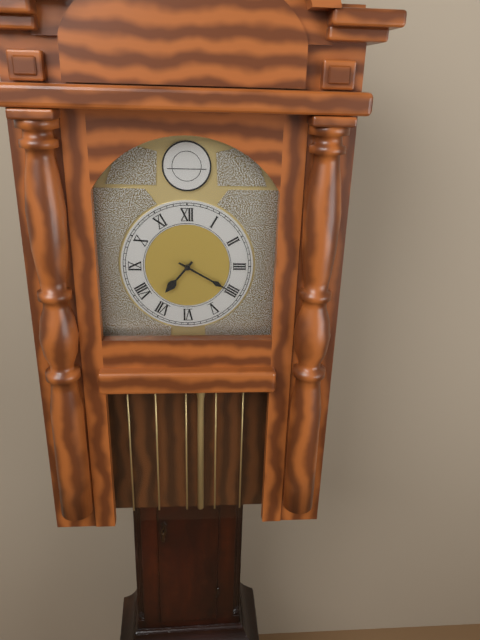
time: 7:20
